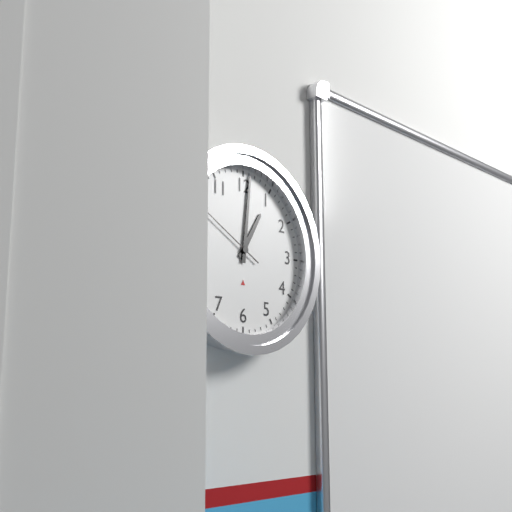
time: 1:01:50
